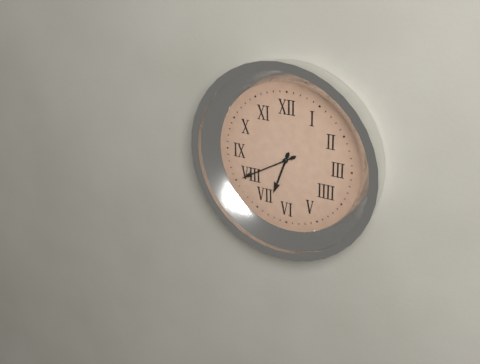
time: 6:40
